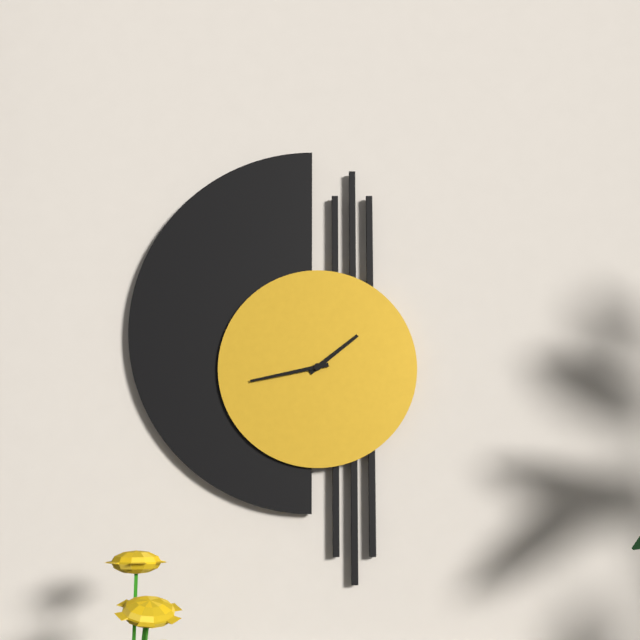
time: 1:43
